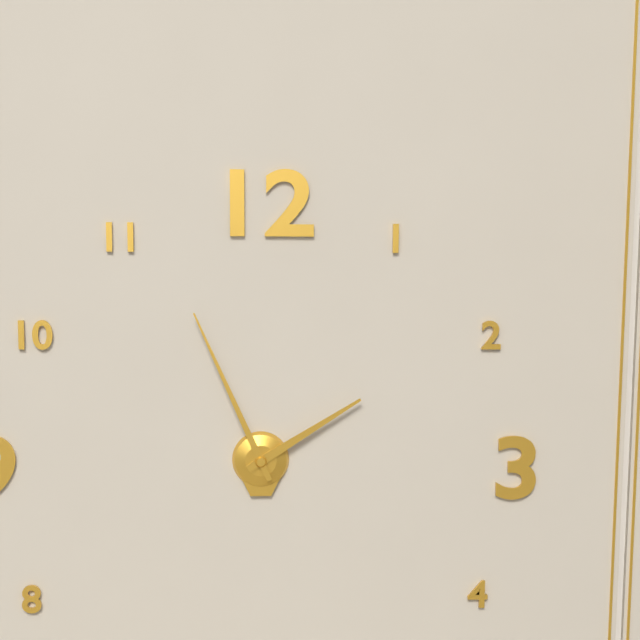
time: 1:56
